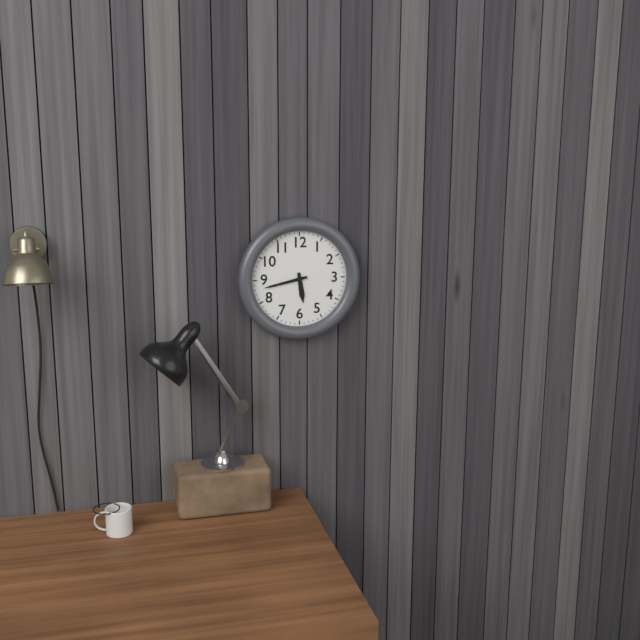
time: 5:43
